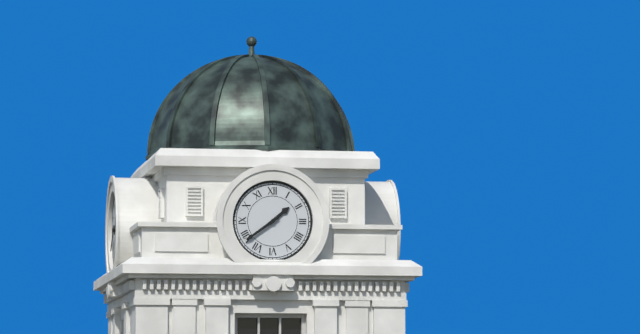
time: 1:39
